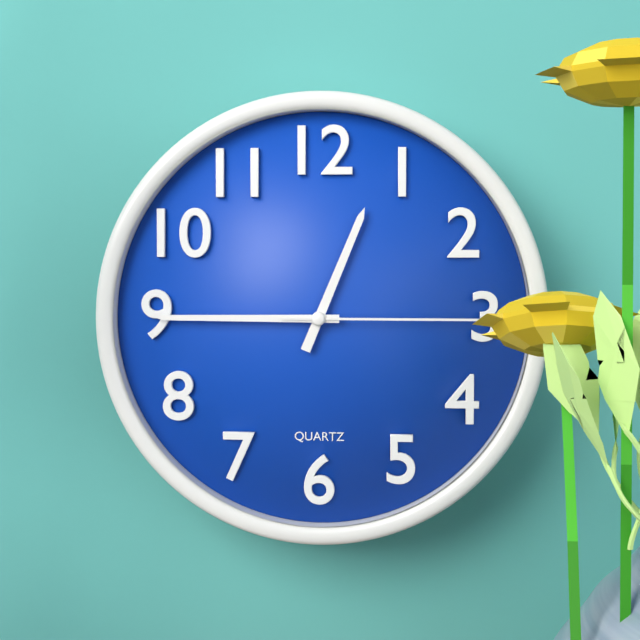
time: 12:45:15
